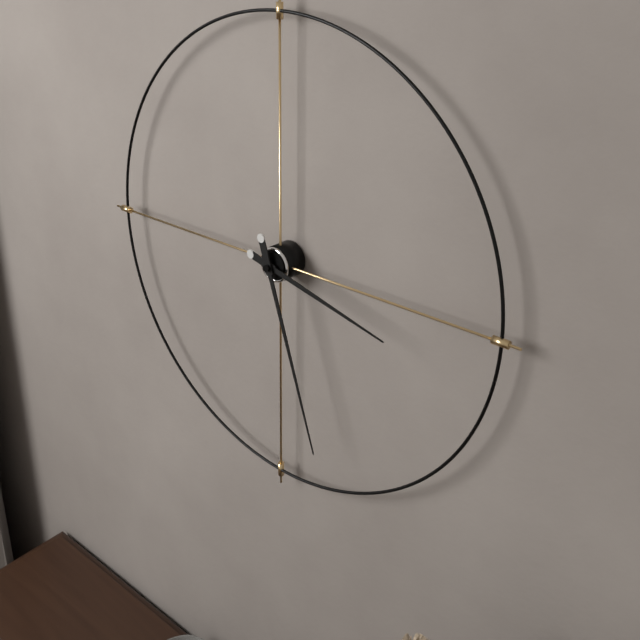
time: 3:27
